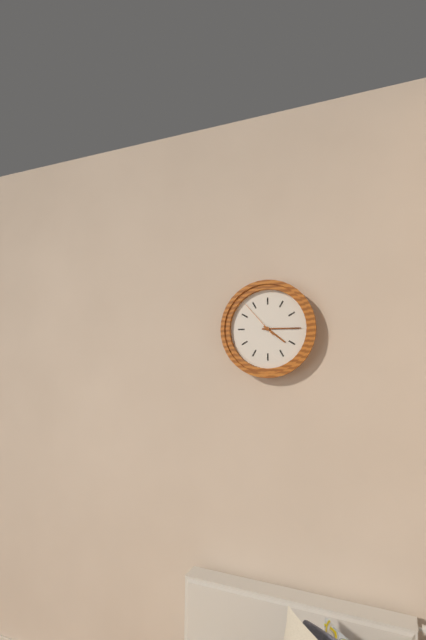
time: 4:15
